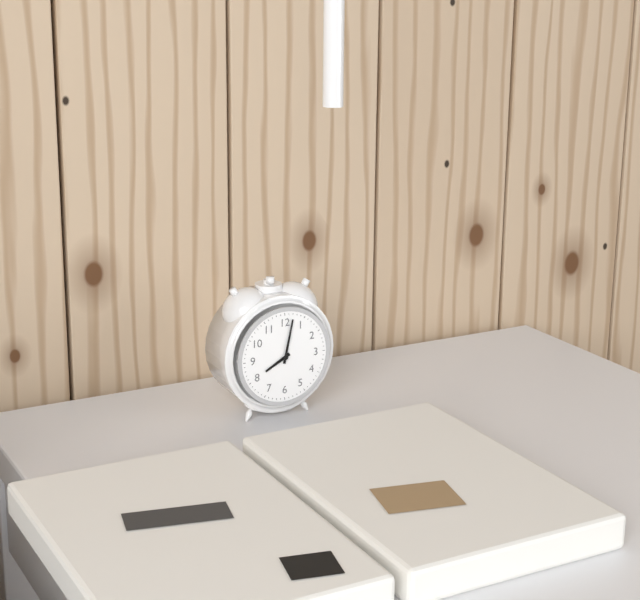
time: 8:02
